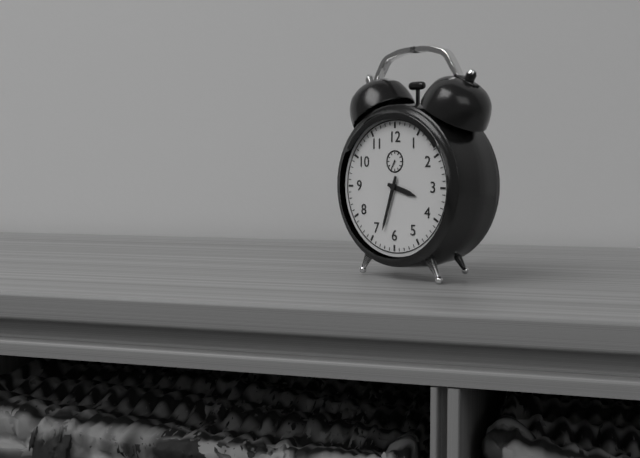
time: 3:33
